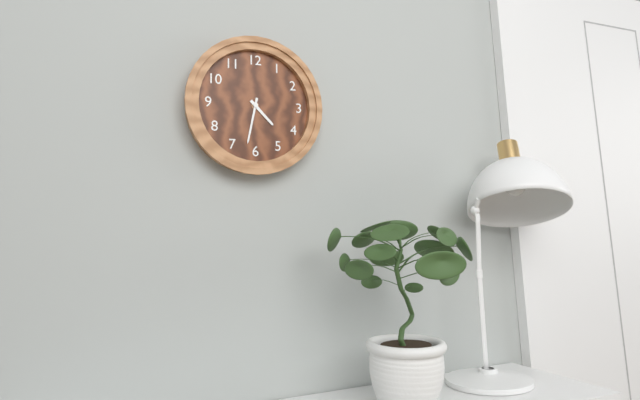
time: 4:32
